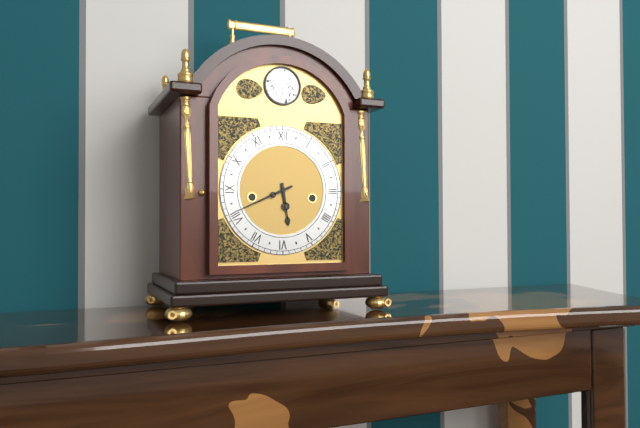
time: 5:41
